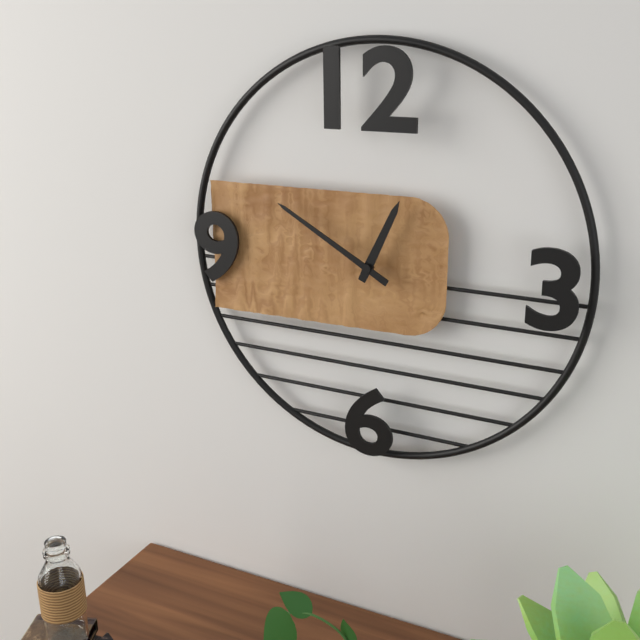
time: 12:50
